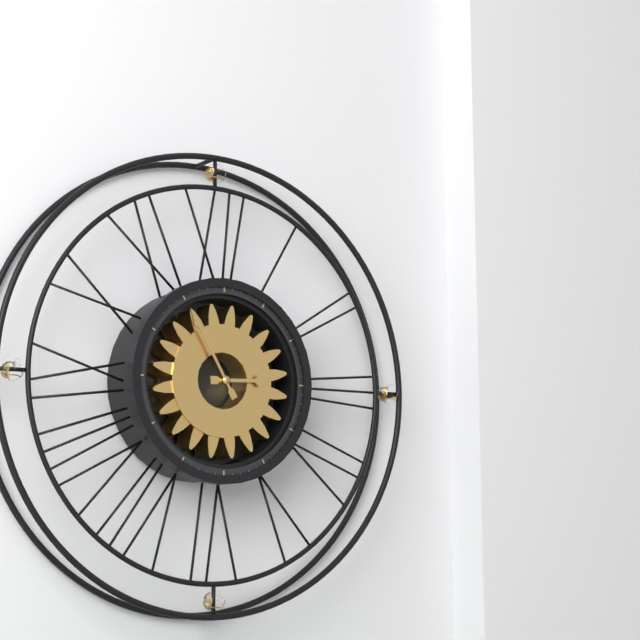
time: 2:55
